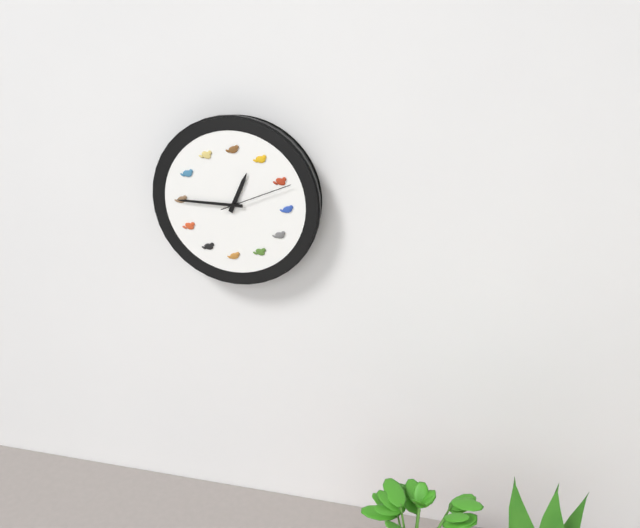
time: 12:45:11
